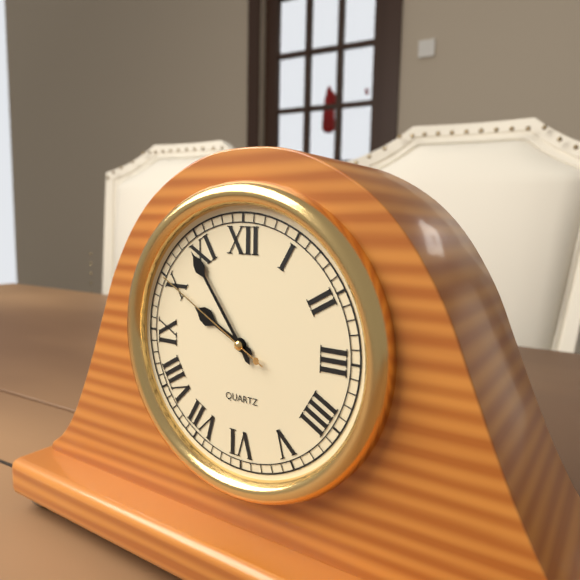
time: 9:54:50
